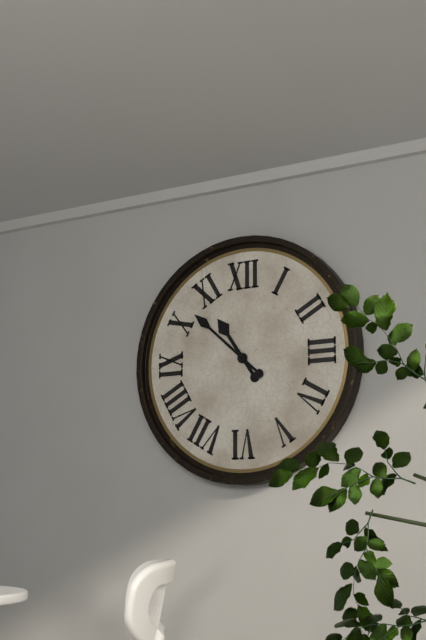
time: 10:52
